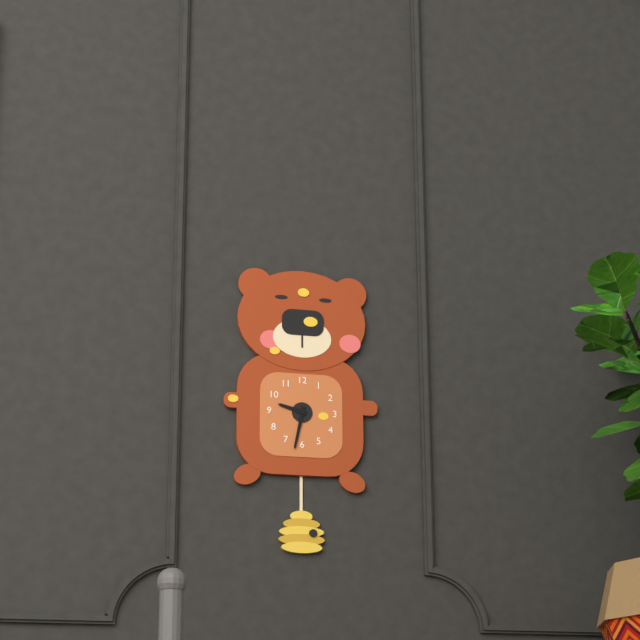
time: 9:32
